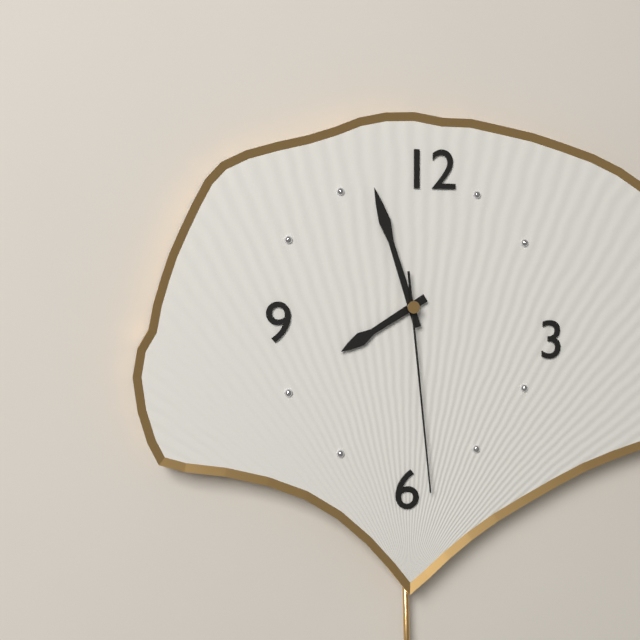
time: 7:57:29
